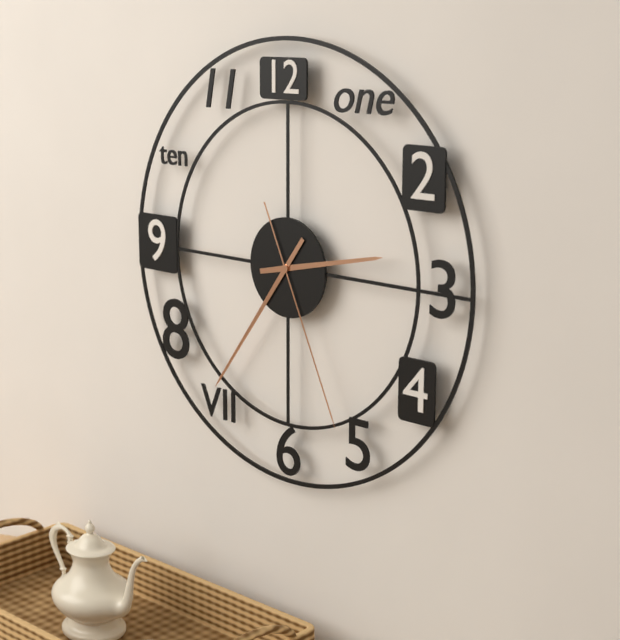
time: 2:36:26
